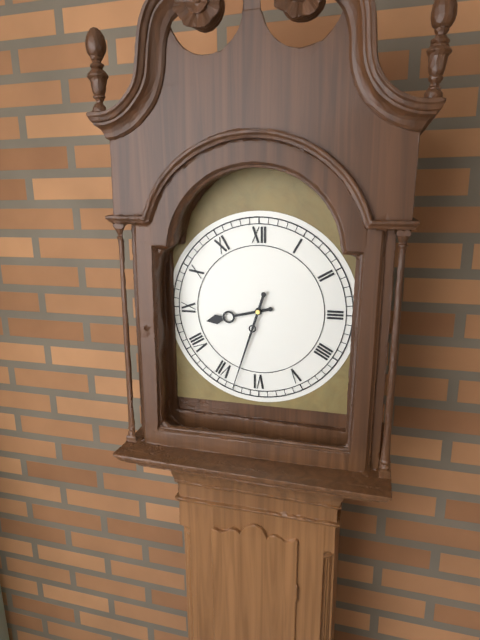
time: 8:33
